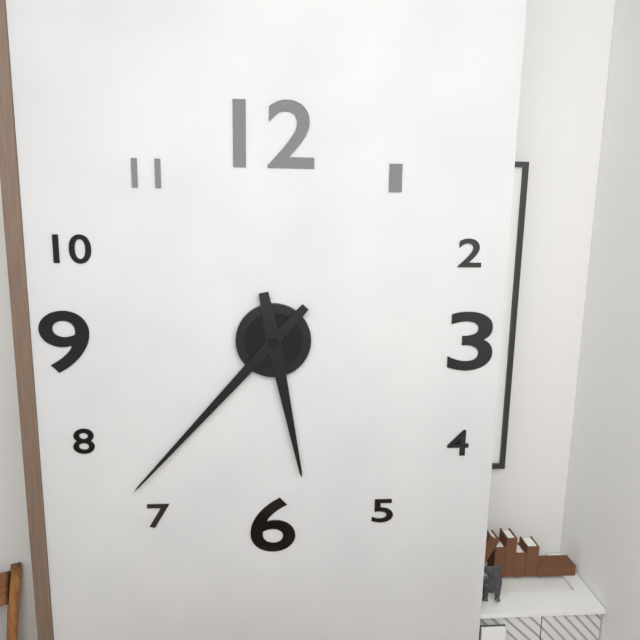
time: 5:37
